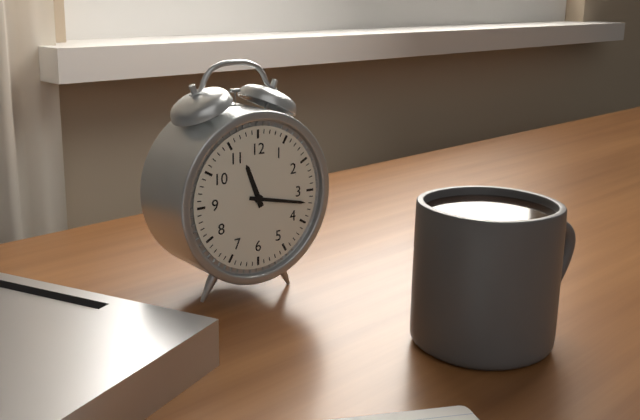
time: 11:17
